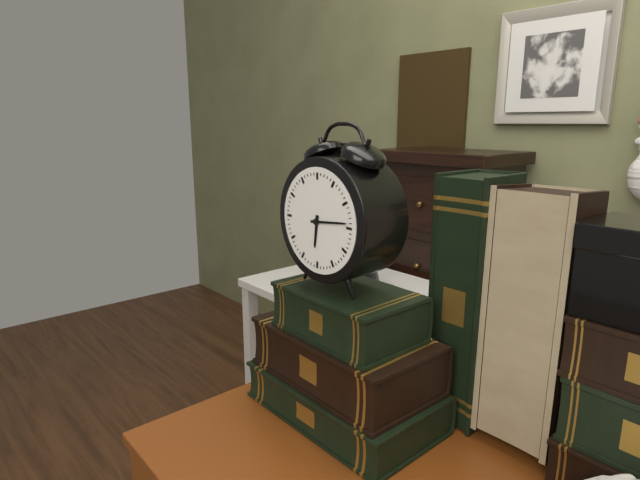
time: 6:14
